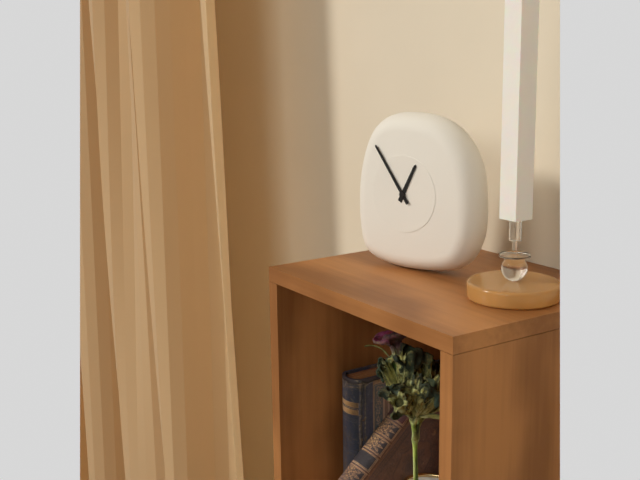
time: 12:54
